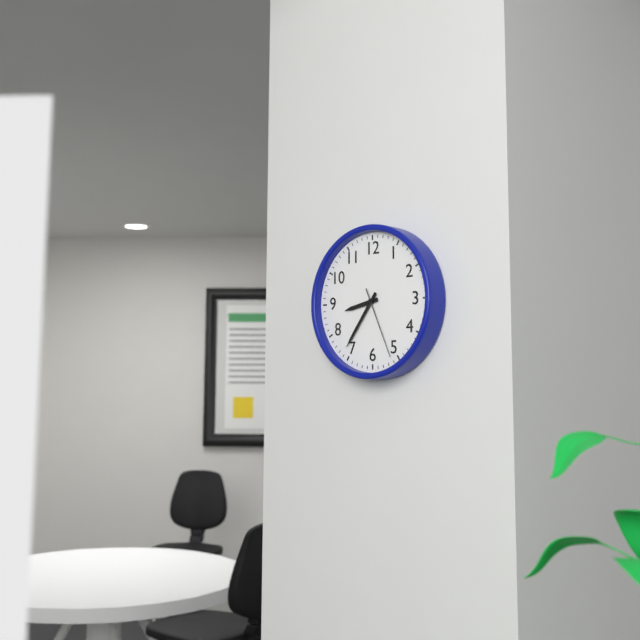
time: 8:36:26
